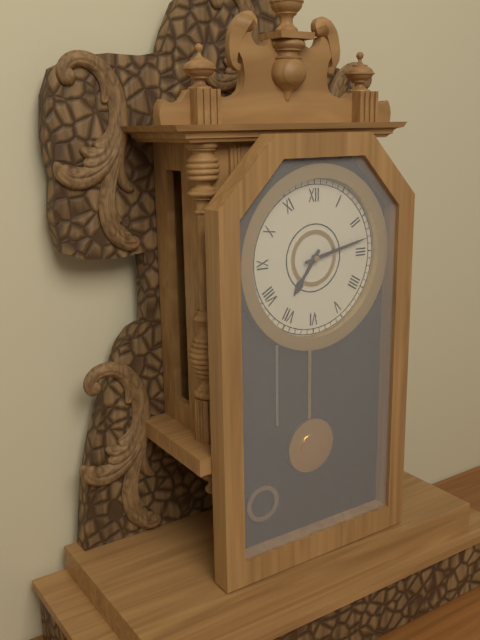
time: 7:13
